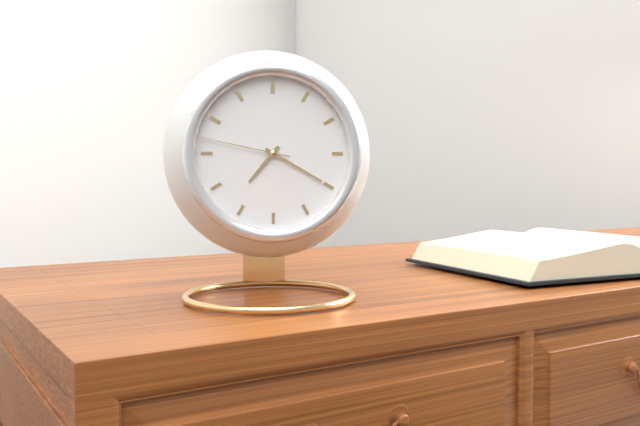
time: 7:20:47
